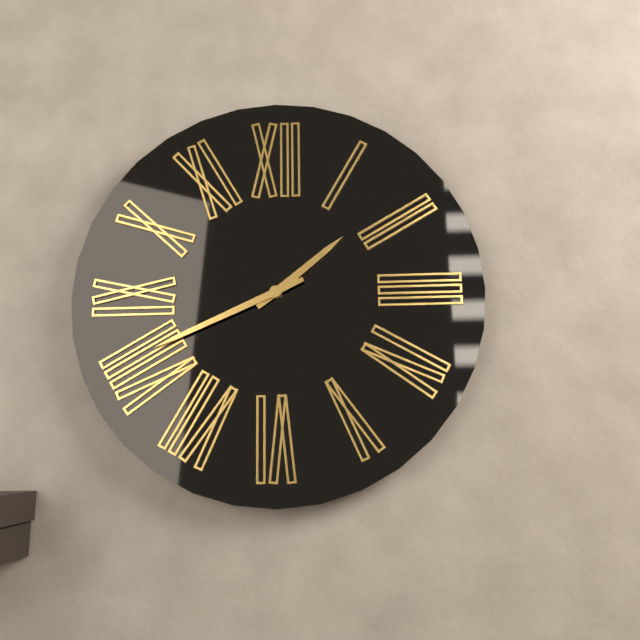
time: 1:41
